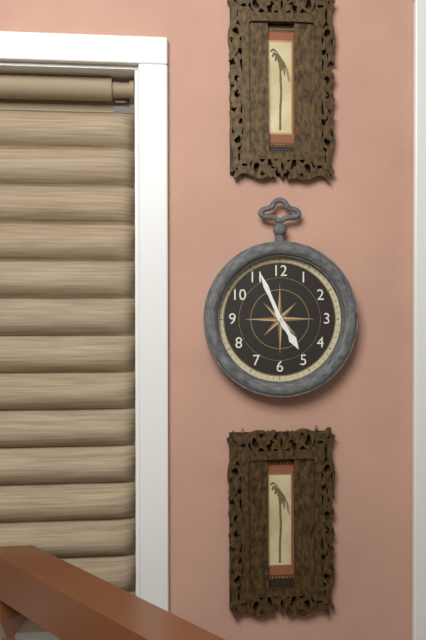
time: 4:56
